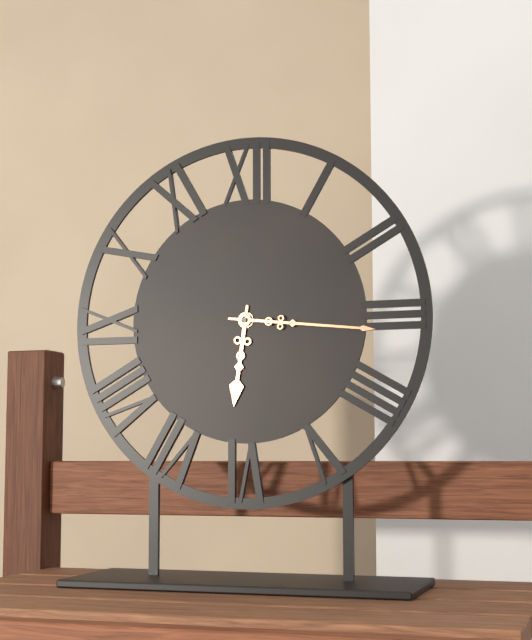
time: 6:16
